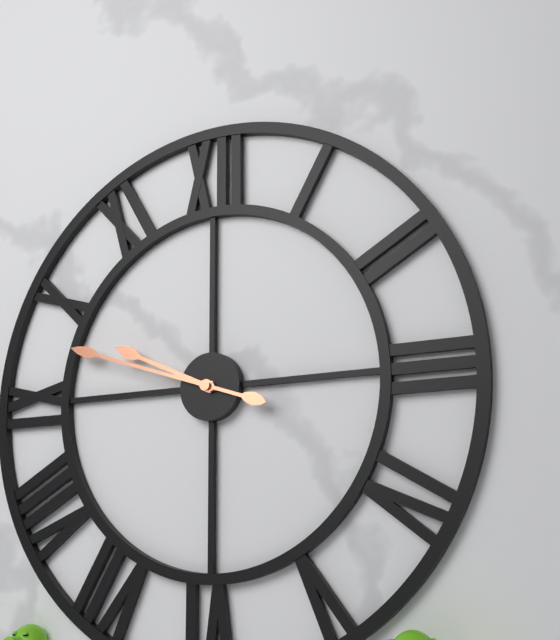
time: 9:48
